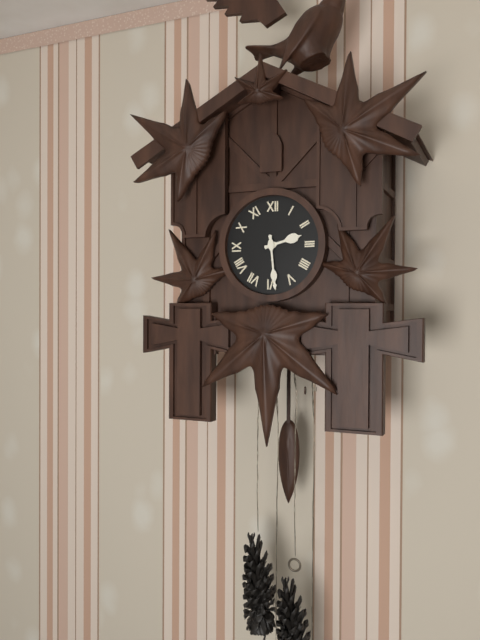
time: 2:29
